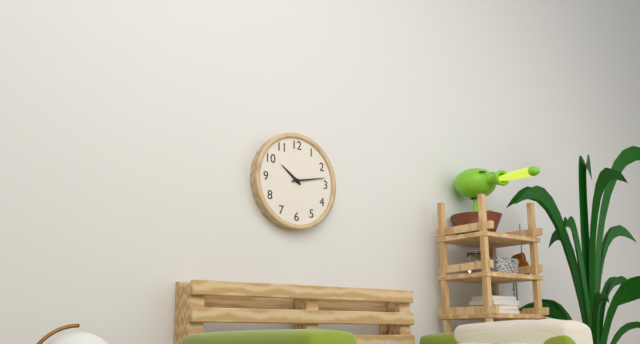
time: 10:13
